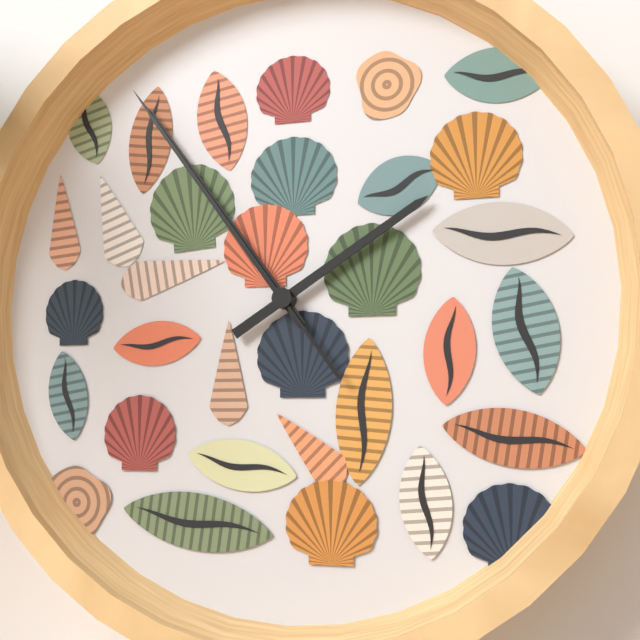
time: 1:54:54
